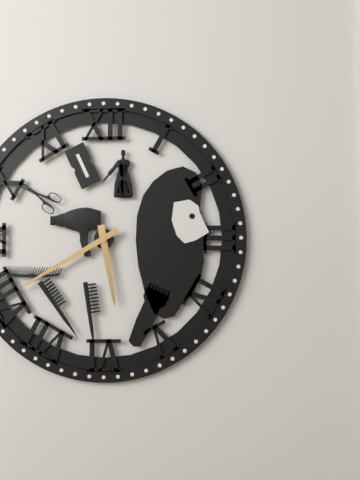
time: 5:40
